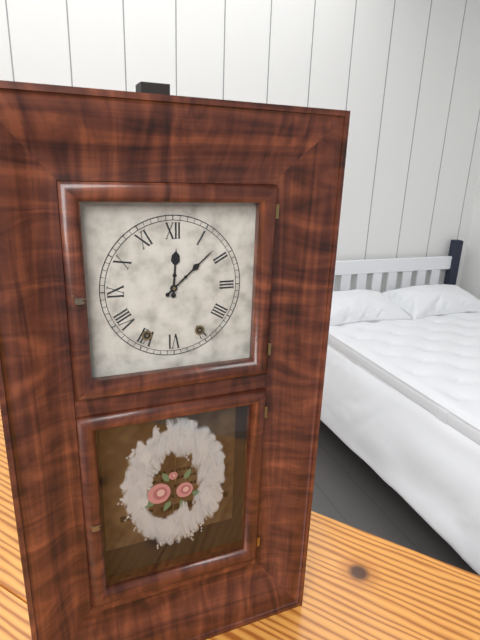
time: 12:08
